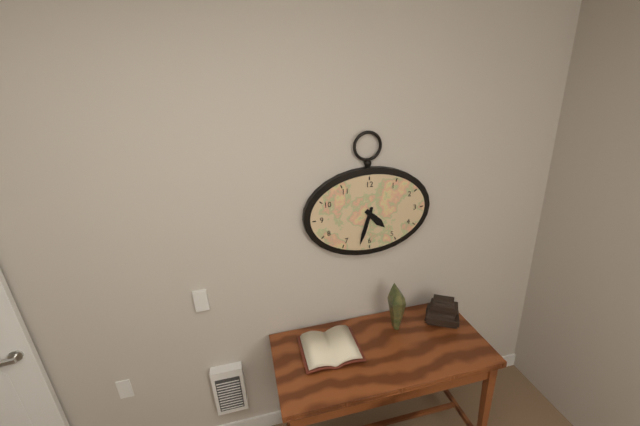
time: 4:33
